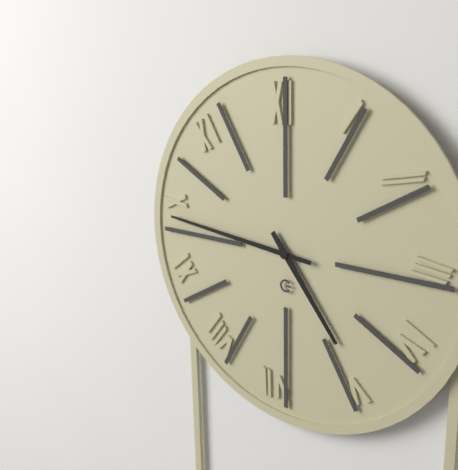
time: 4:46
